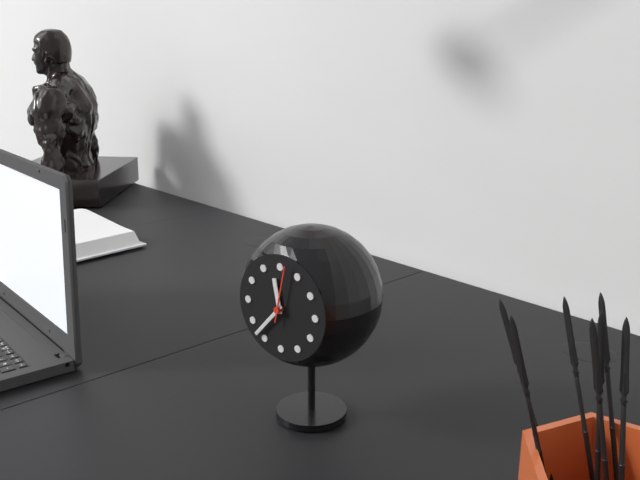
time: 11:37
